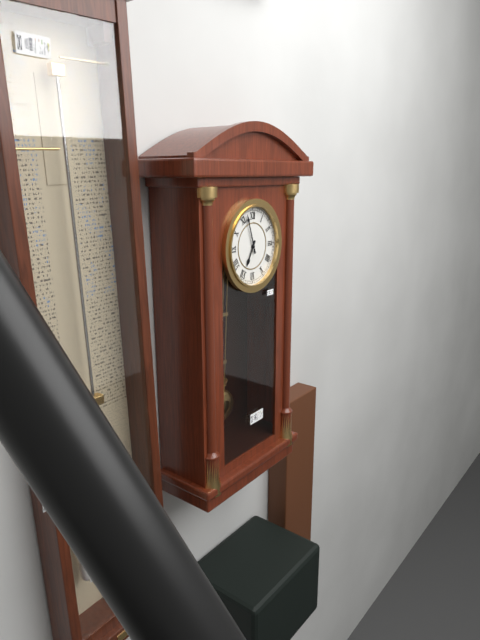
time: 6:57
